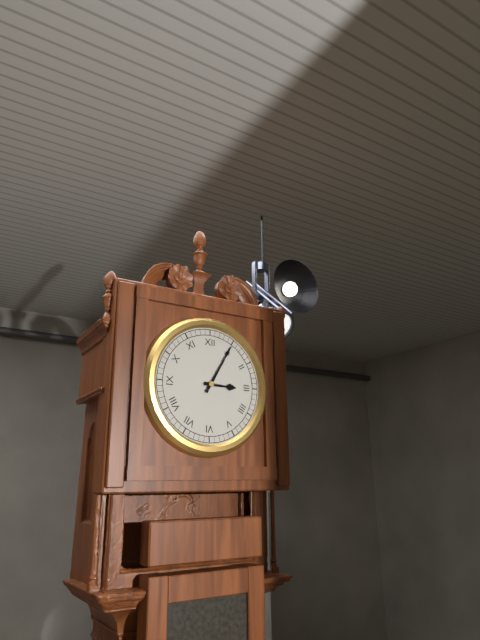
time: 3:05
